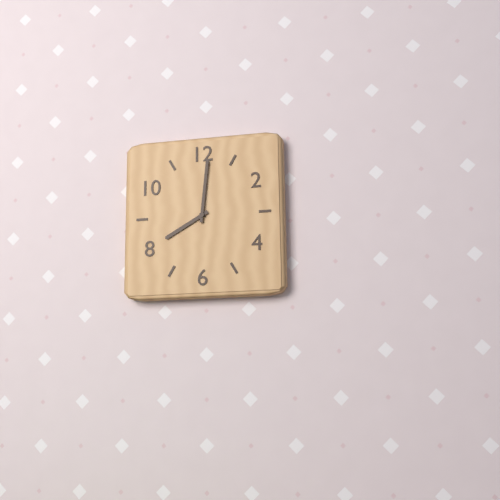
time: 8:01
